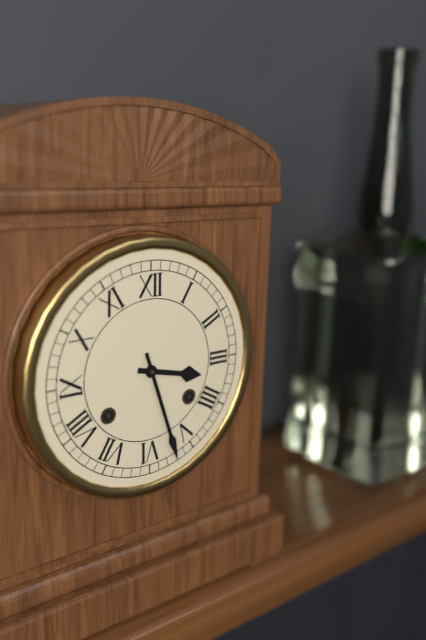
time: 3:27
